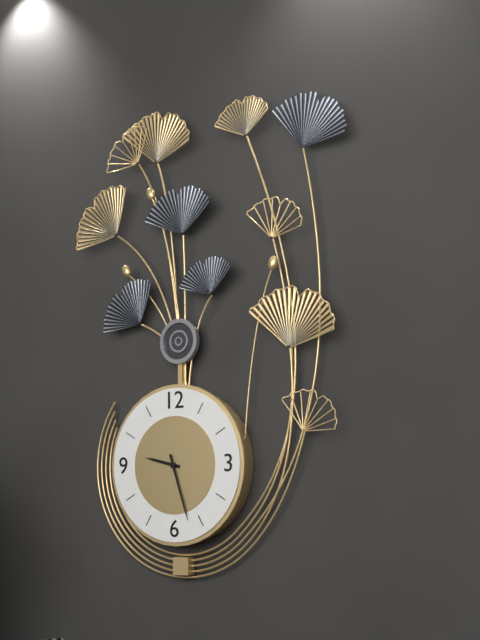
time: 9:27
